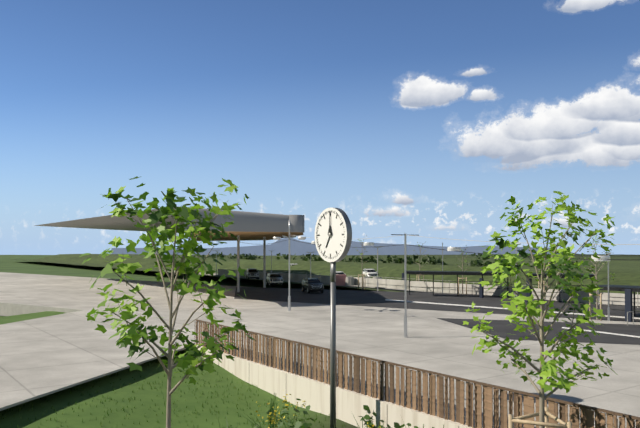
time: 7:00
